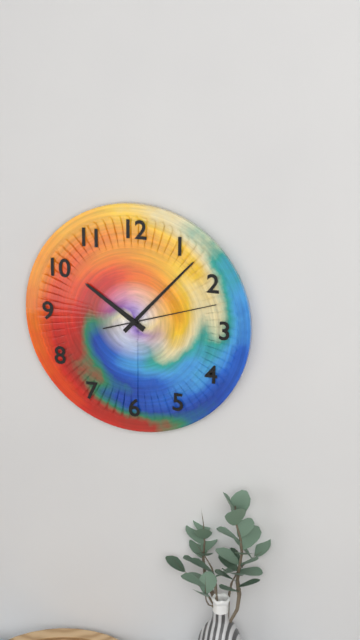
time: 10:07:12
